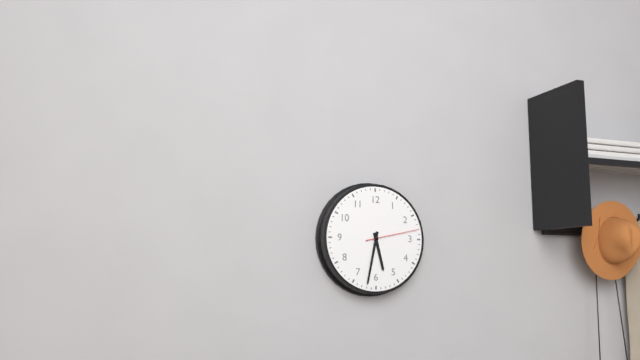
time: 5:32:13
